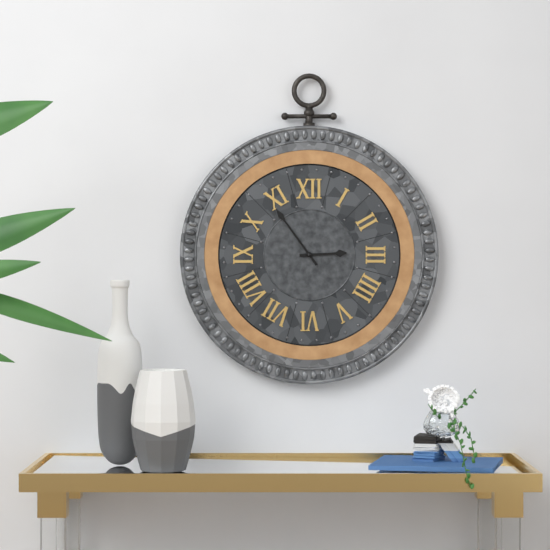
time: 2:54
